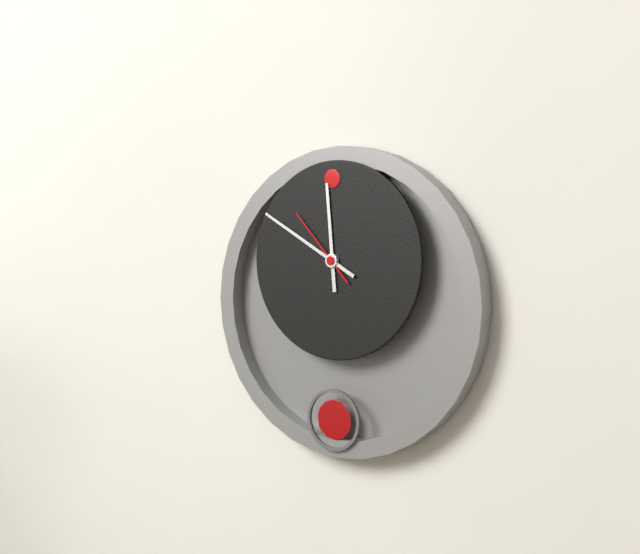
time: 11:50:53
